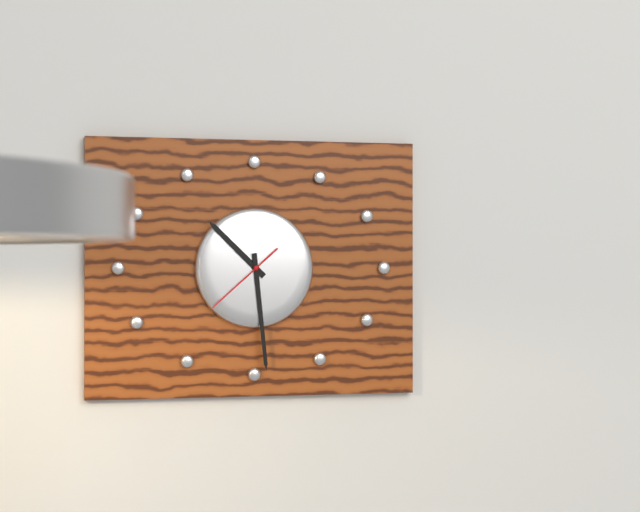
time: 10:29:38
